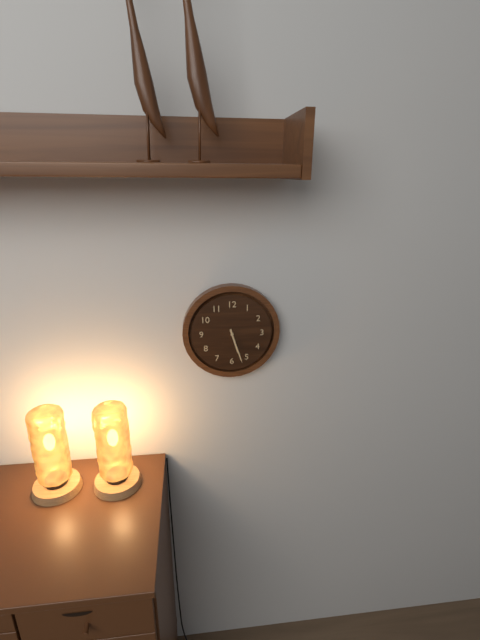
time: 5:27
